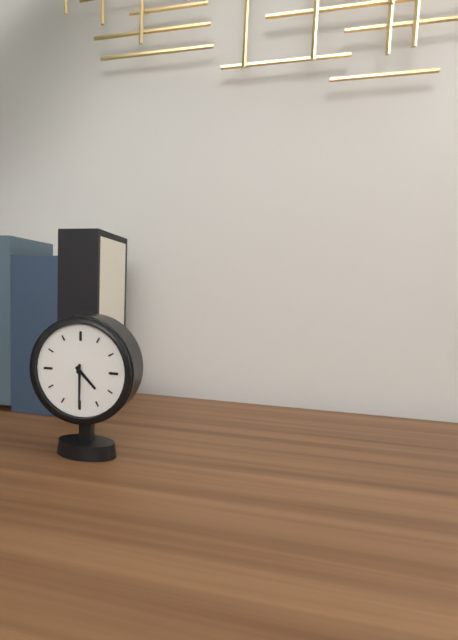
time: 4:30
